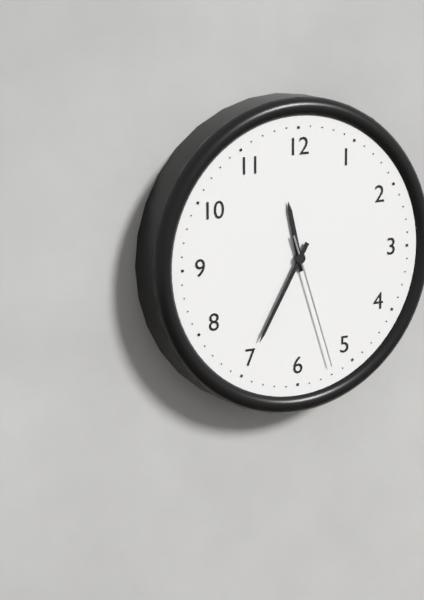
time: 11:35:27
